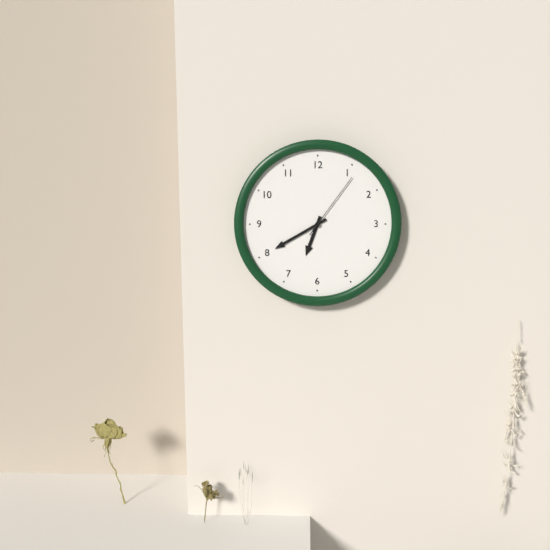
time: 6:40:06
